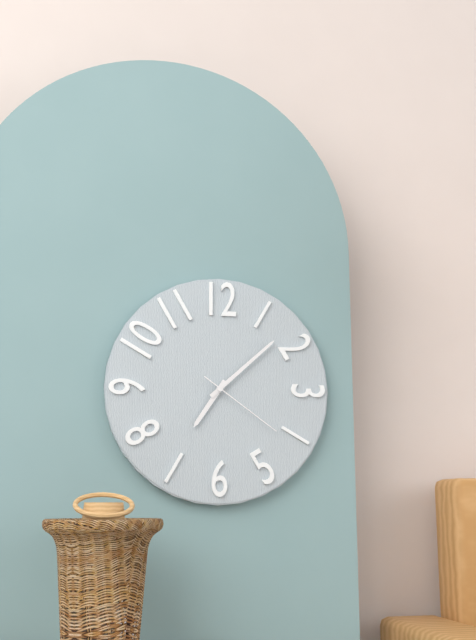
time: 7:08:21
